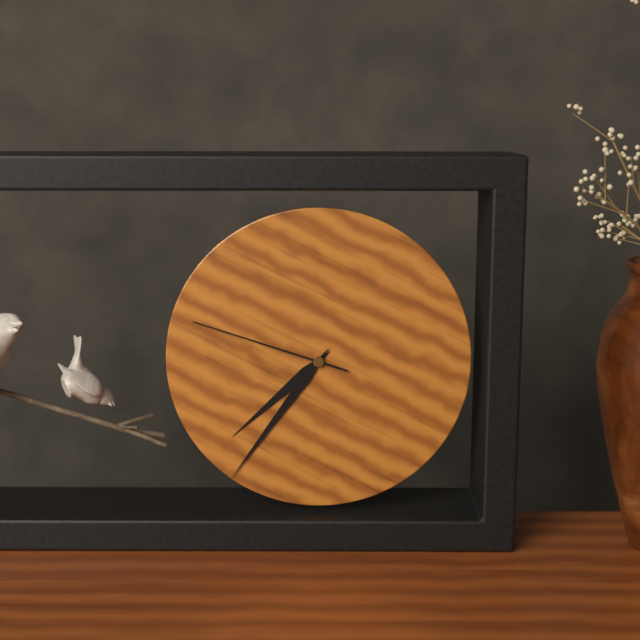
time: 7:36:48
